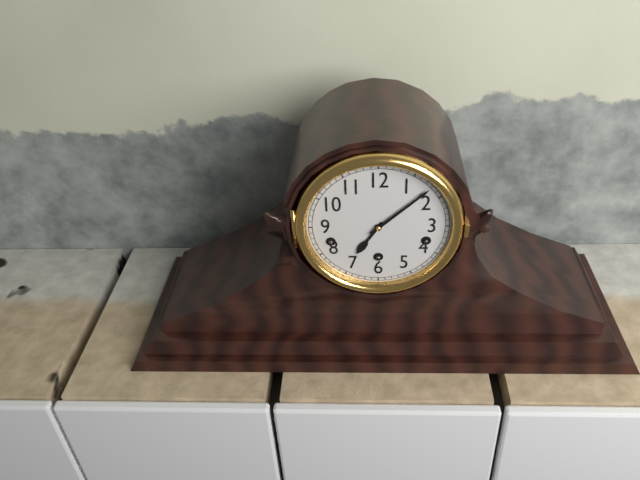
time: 7:08
